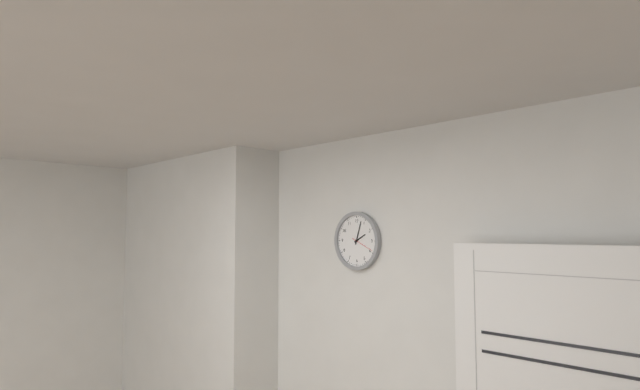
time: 2:03
